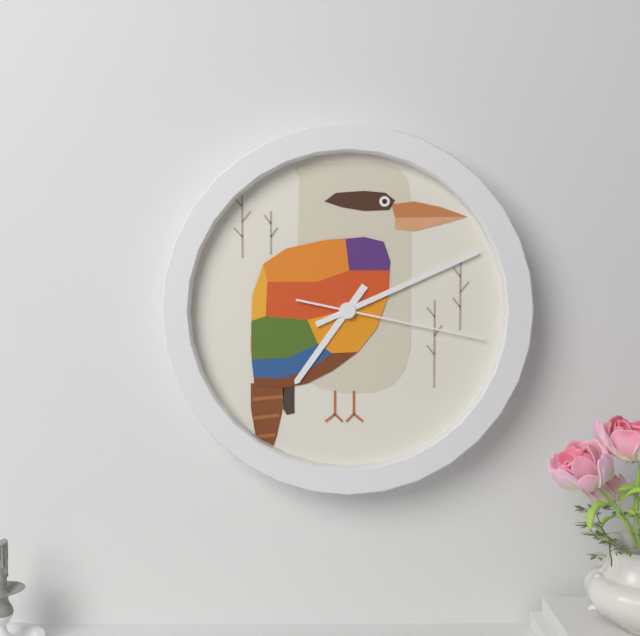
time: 7:11:17
